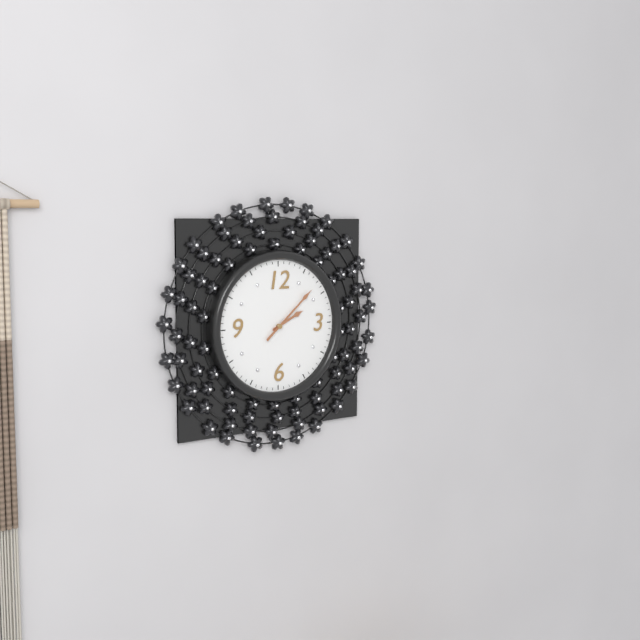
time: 2:08
